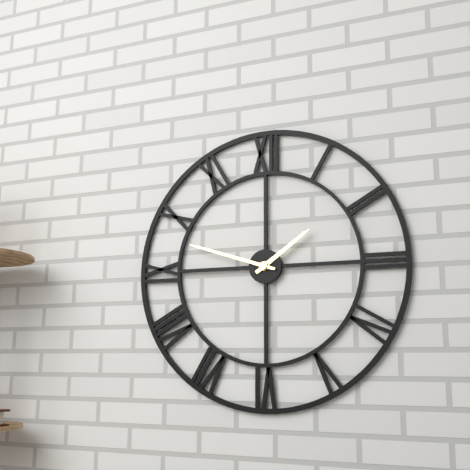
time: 1:48
